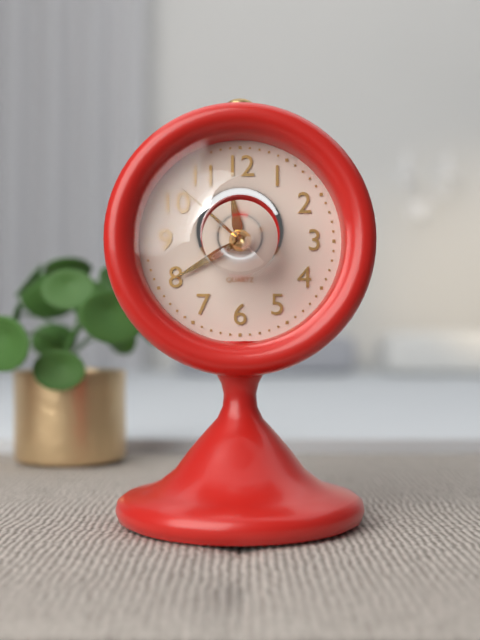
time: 11:40:52
